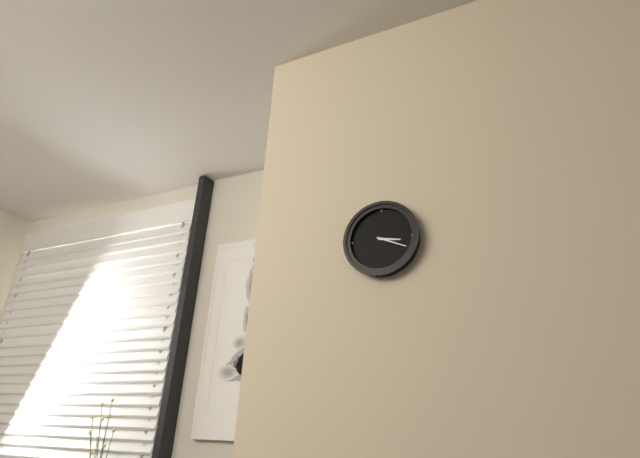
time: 3:19
